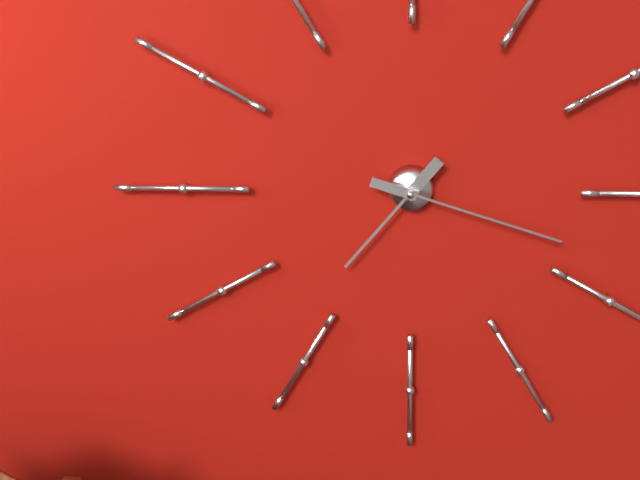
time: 7:18
